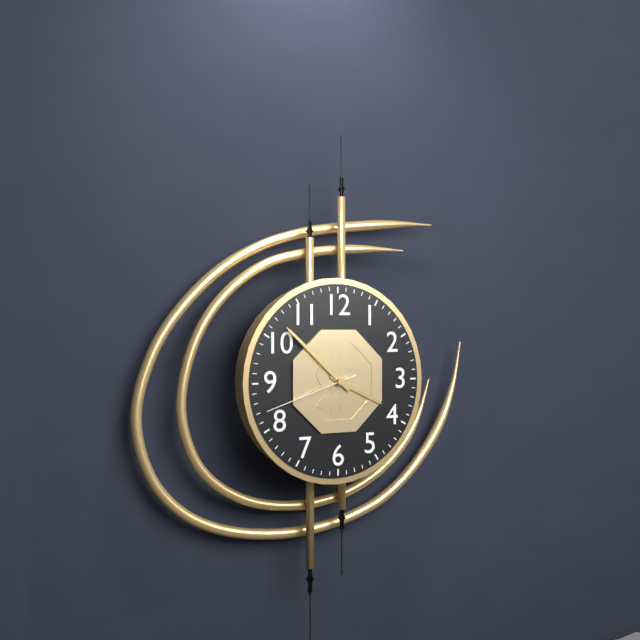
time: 3:52:42
